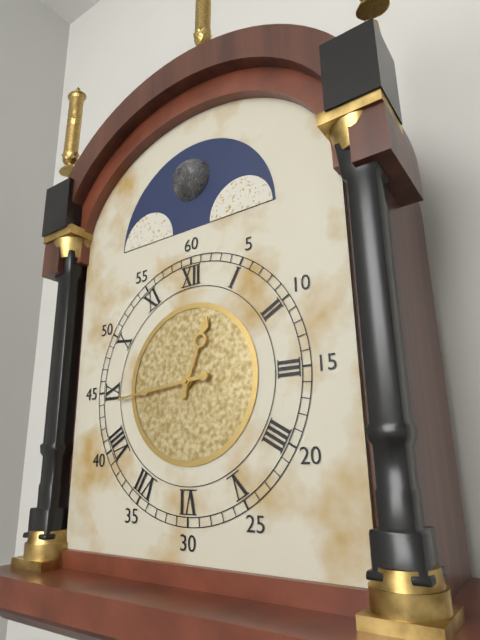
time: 12:44
